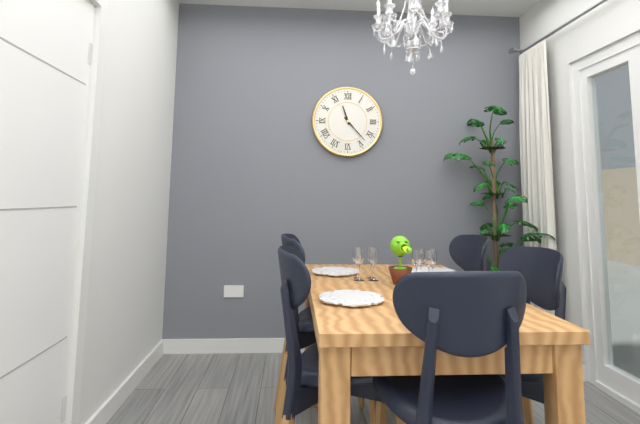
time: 11:23
